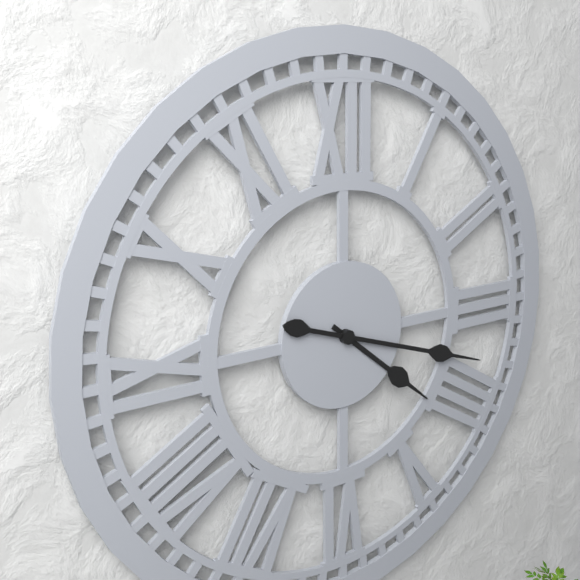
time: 4:18
